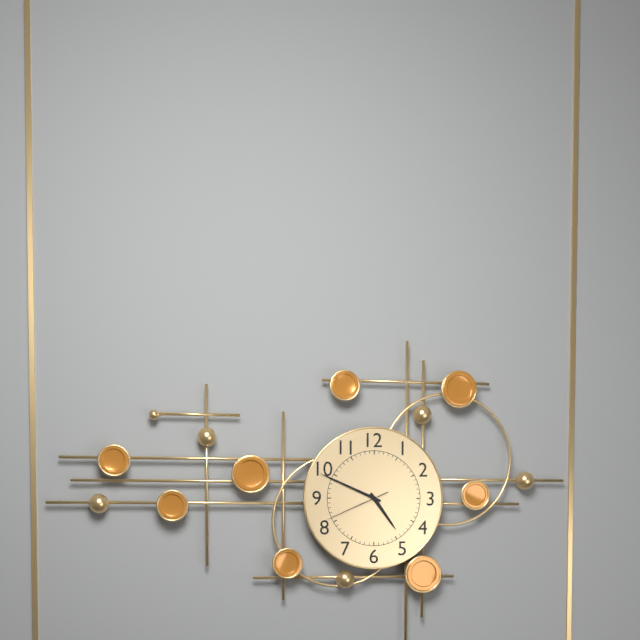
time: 4:49:41
